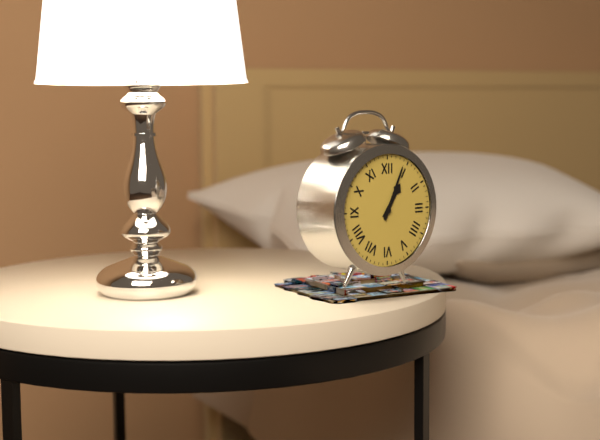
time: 1:04
